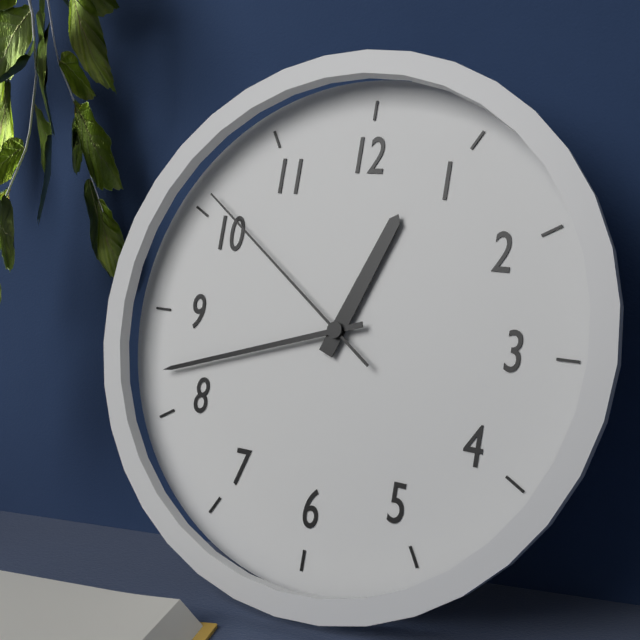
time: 12:42:51
